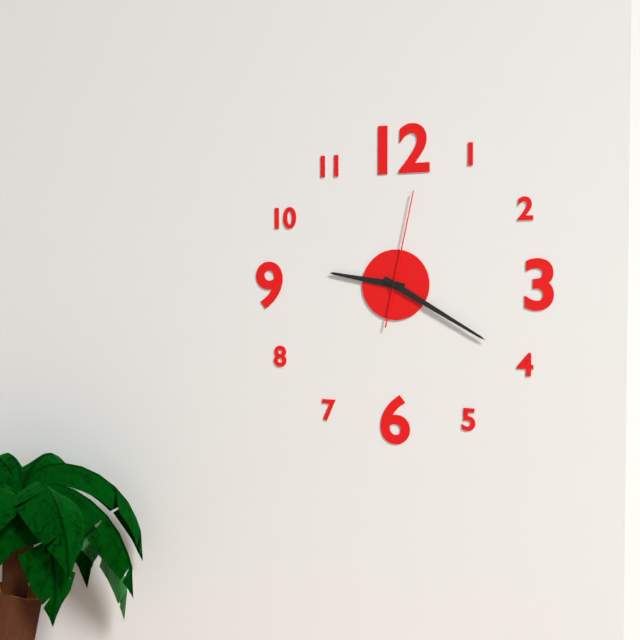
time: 9:20:02
